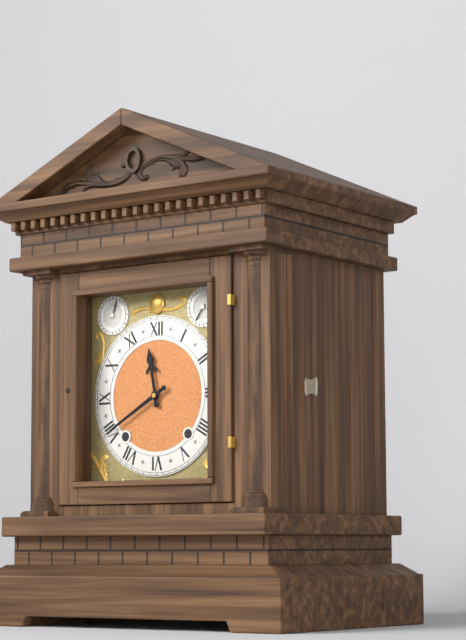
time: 11:40
